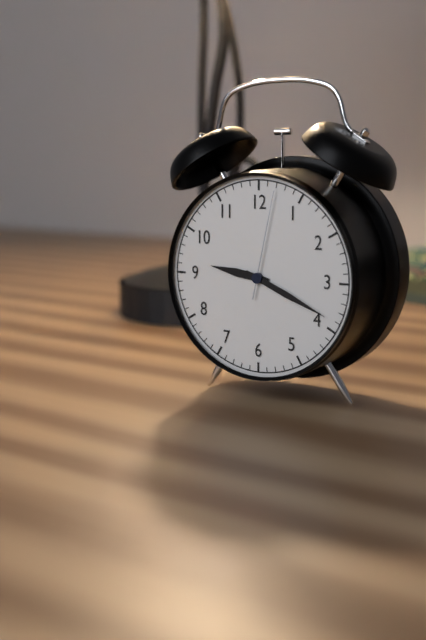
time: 9:19:02
